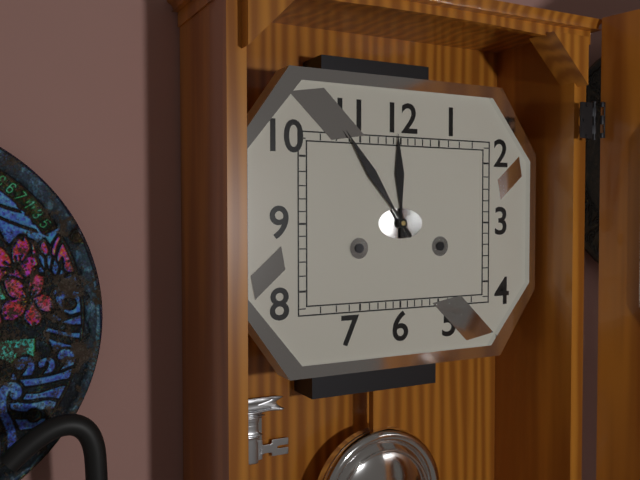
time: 11:54
